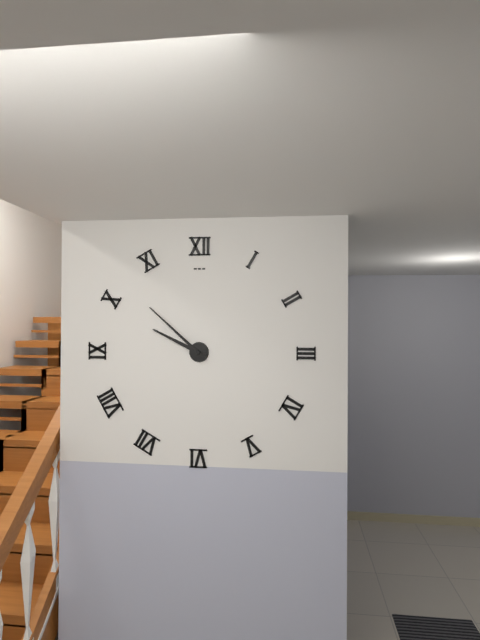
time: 9:52
